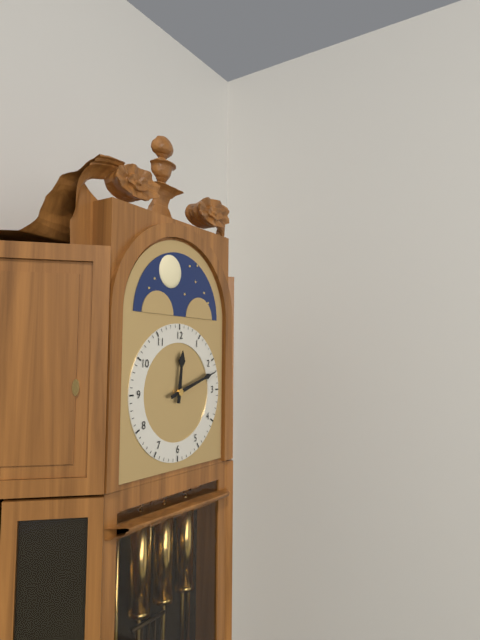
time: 12:12
